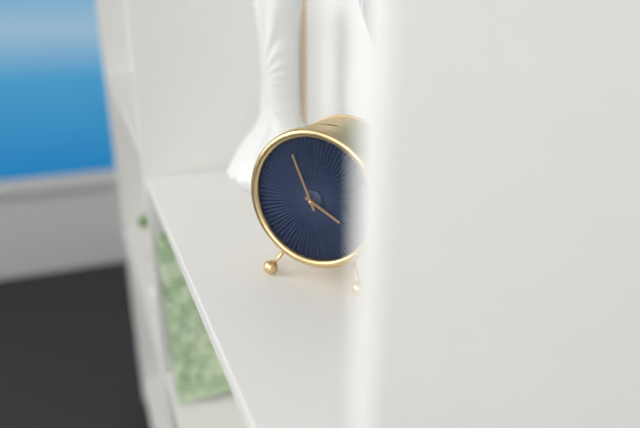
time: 3:56
